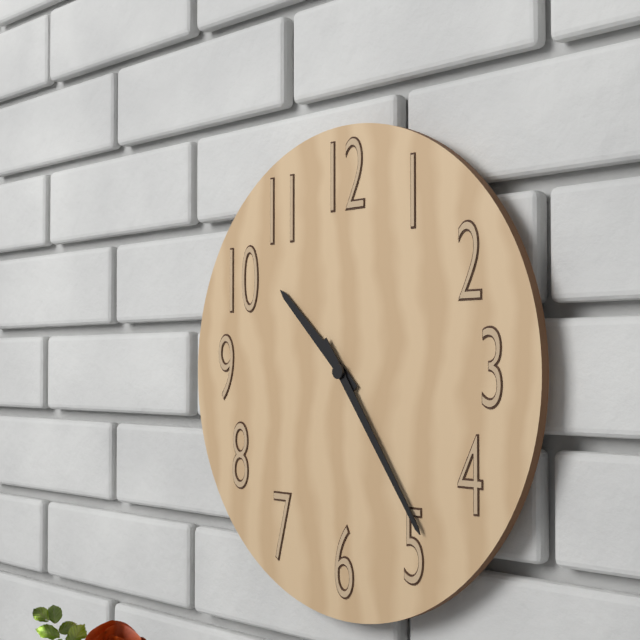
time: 10:24
